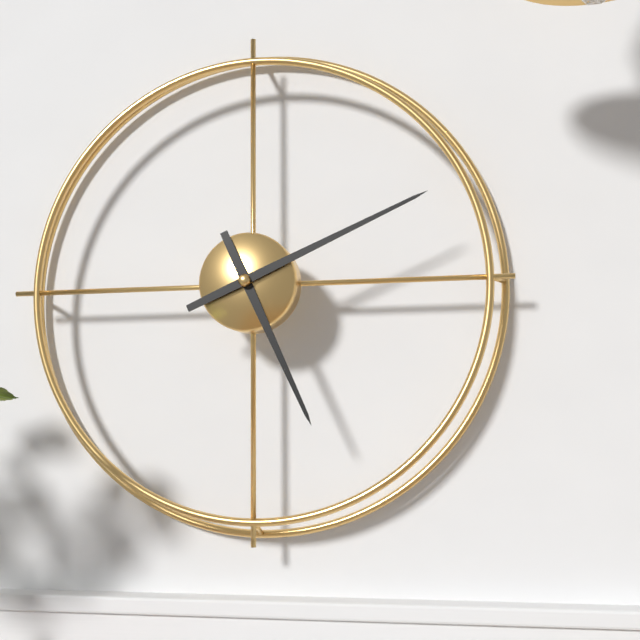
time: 5:11
